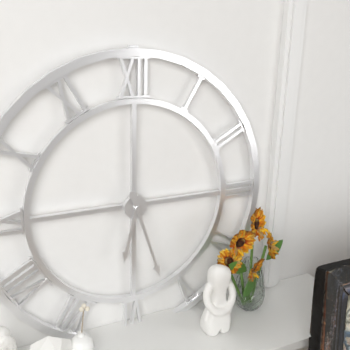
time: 6:27
